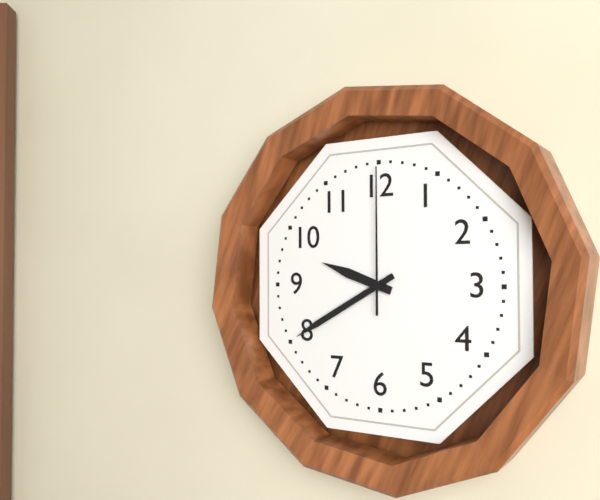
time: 9:40:00
